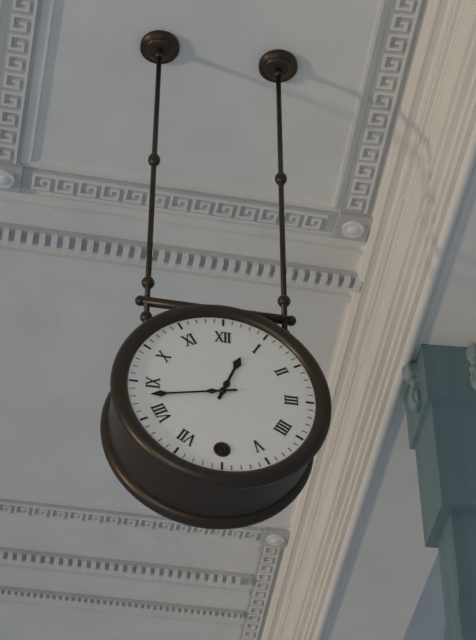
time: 12:43
